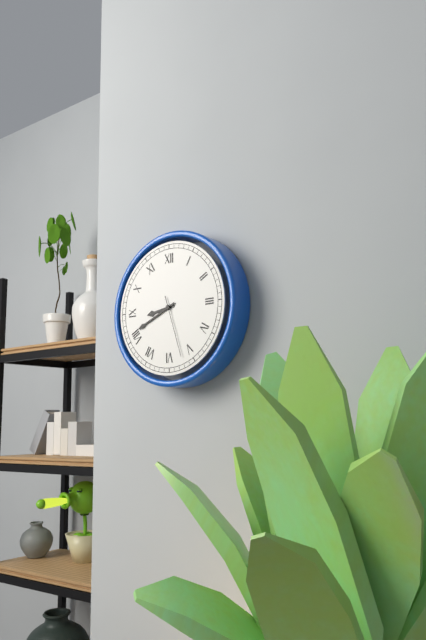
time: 8:41:27
